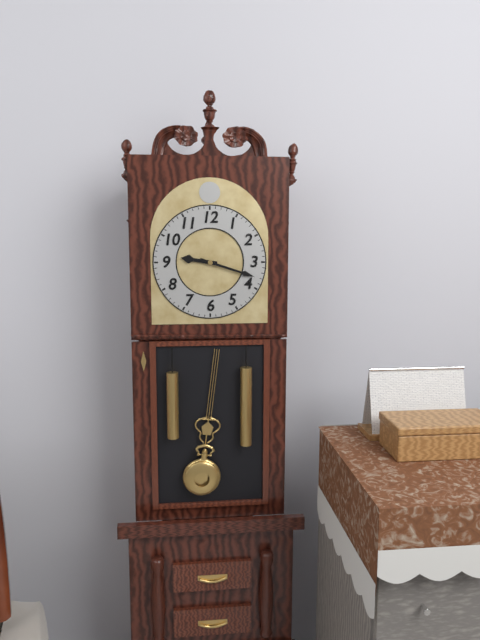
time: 9:18
